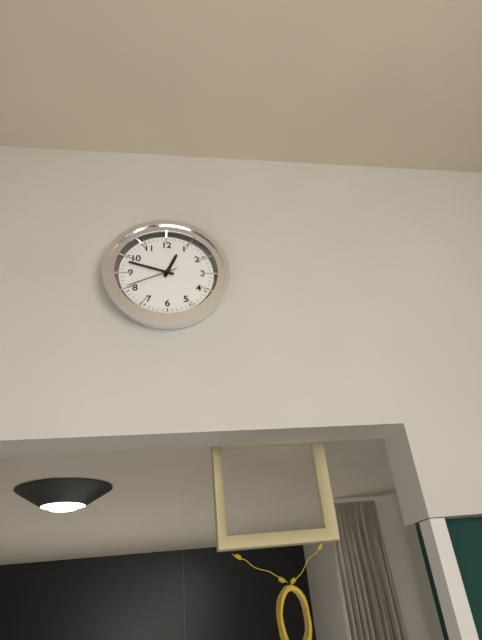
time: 12:48:41
